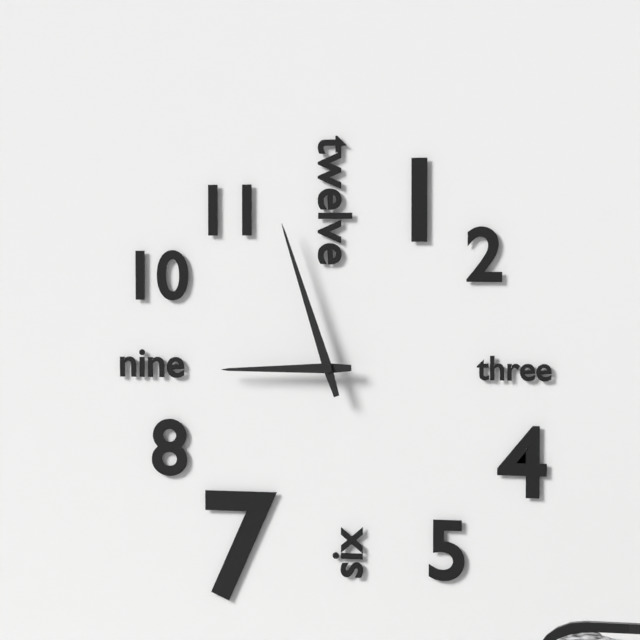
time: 8:57
